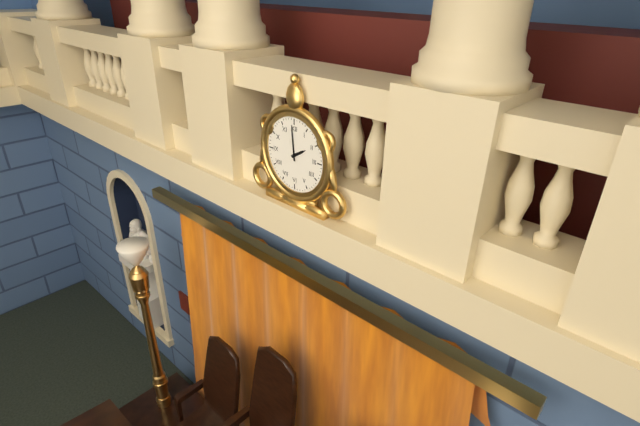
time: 1:59
